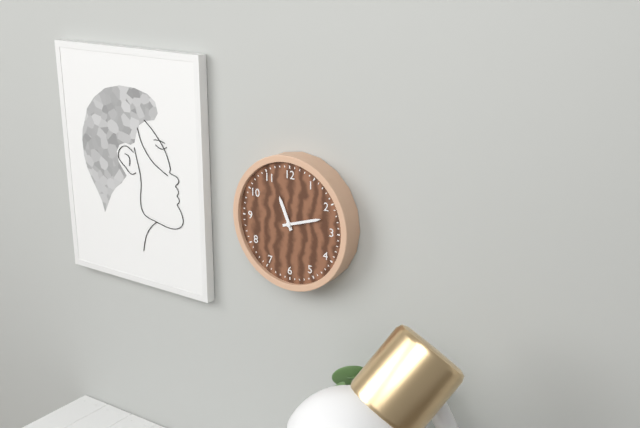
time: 11:12
